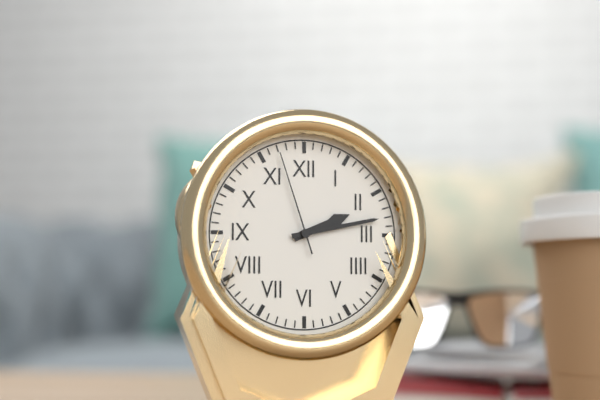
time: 2:13:57
